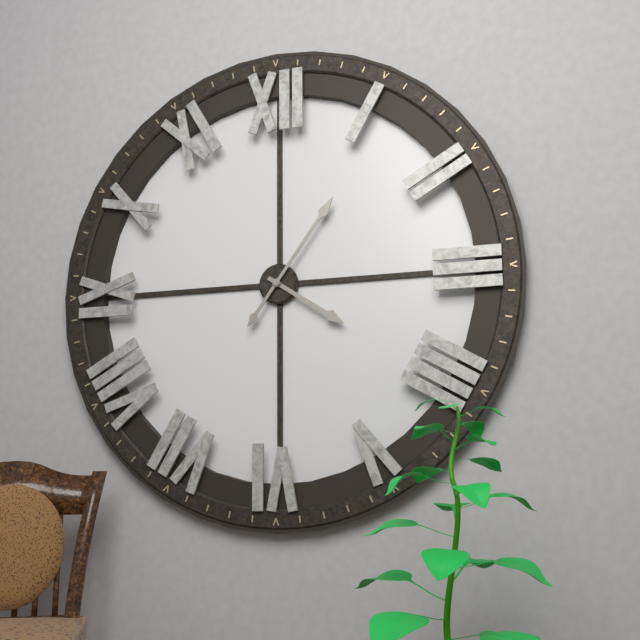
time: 4:06
